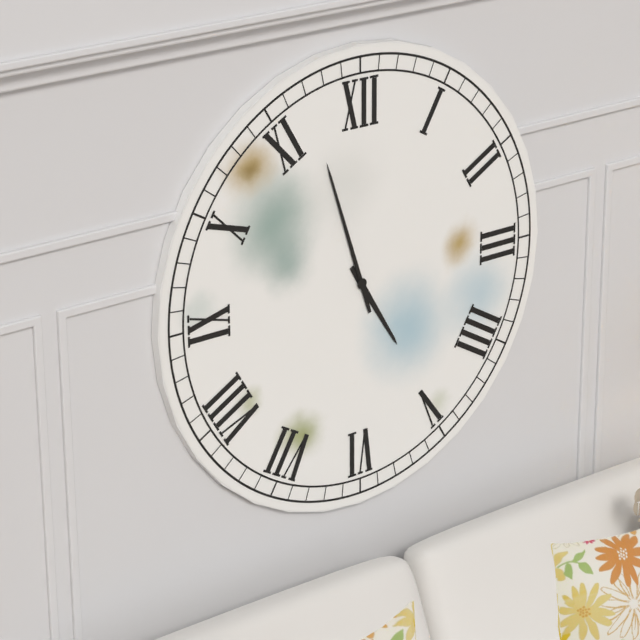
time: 4:57
